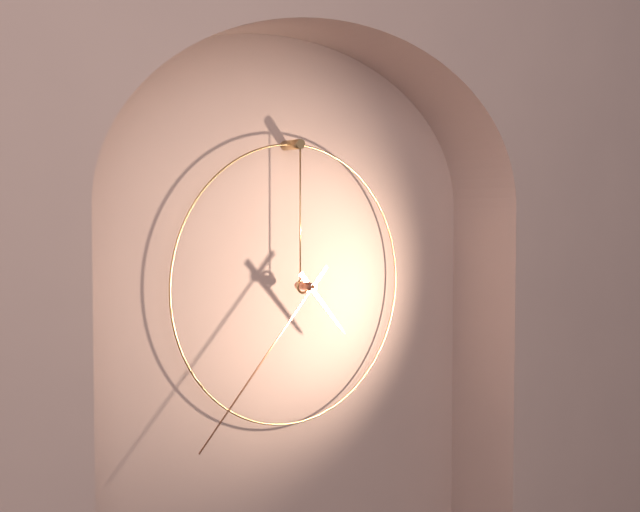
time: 4:37
